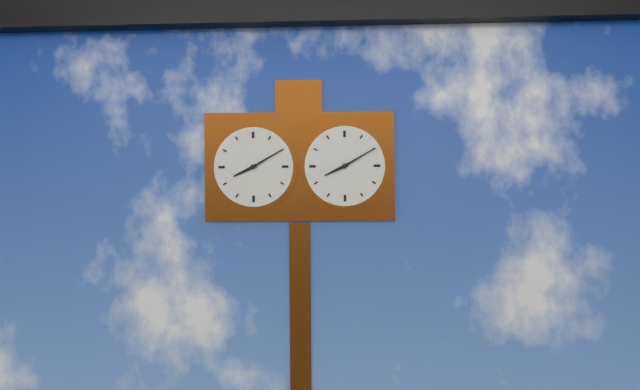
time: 8:10
